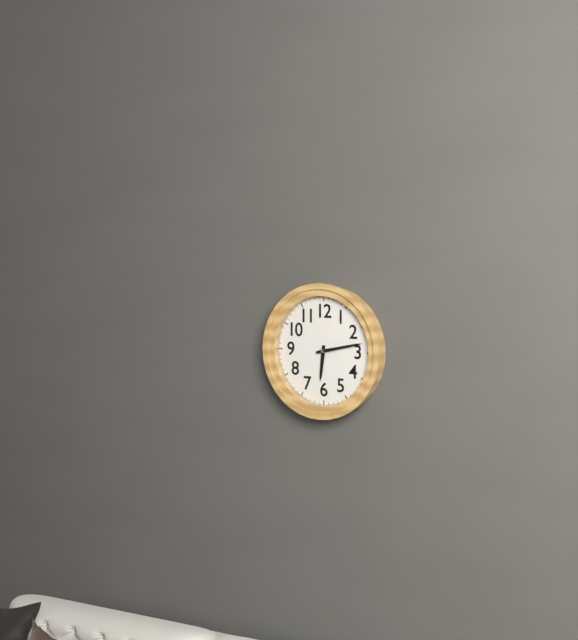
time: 6:13
